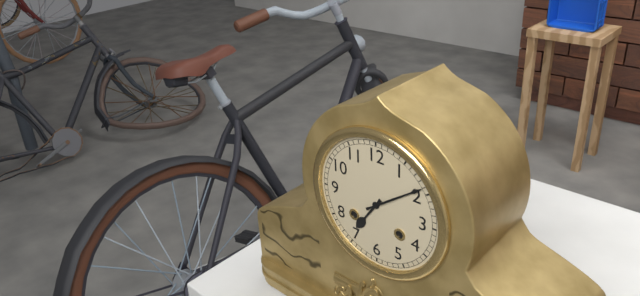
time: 7:09
